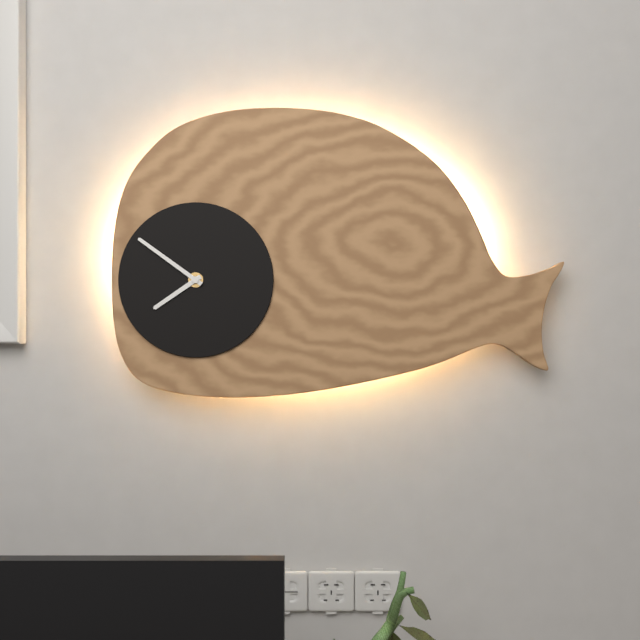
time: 7:51
